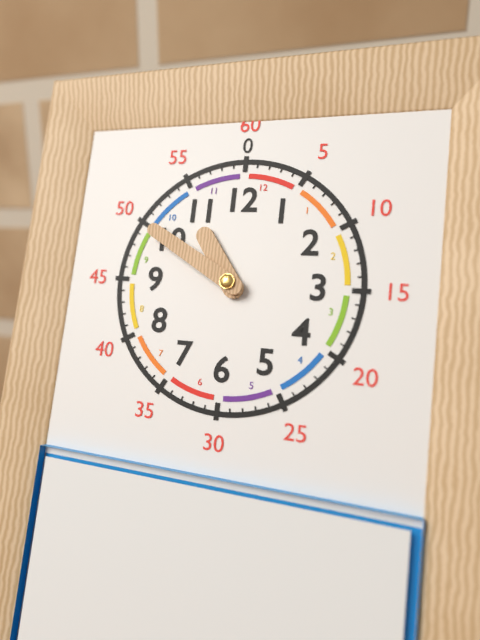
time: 10:50
